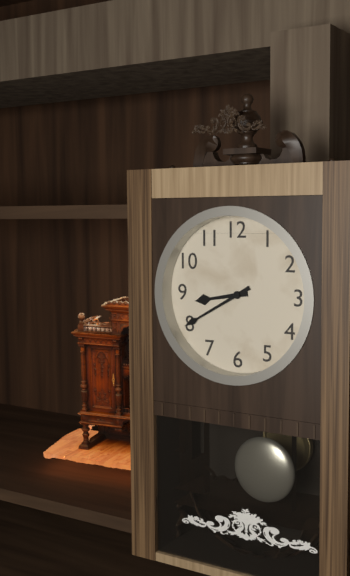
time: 8:40
